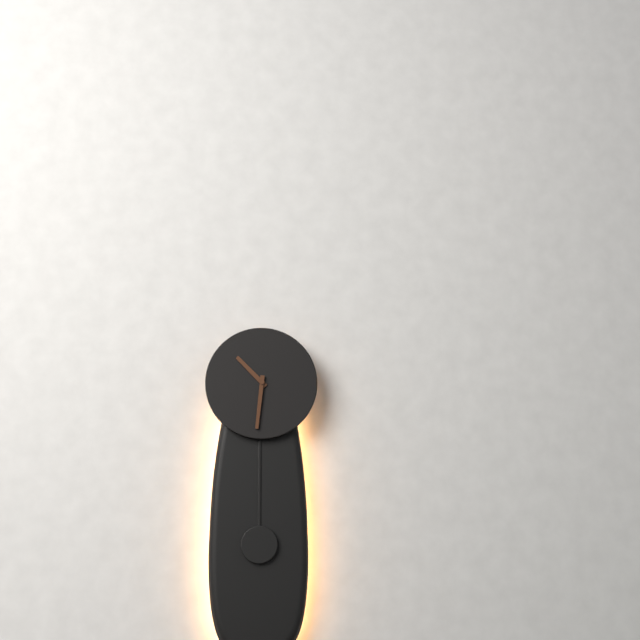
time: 10:31
